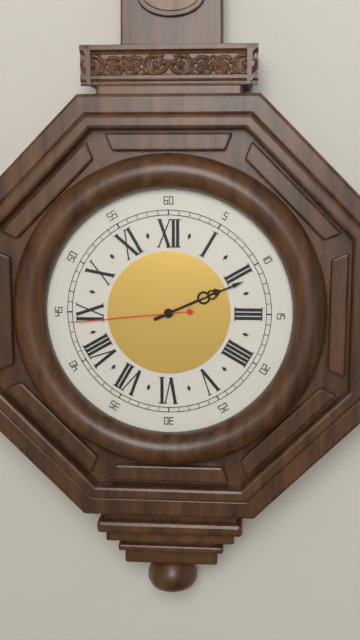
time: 2:11:44
